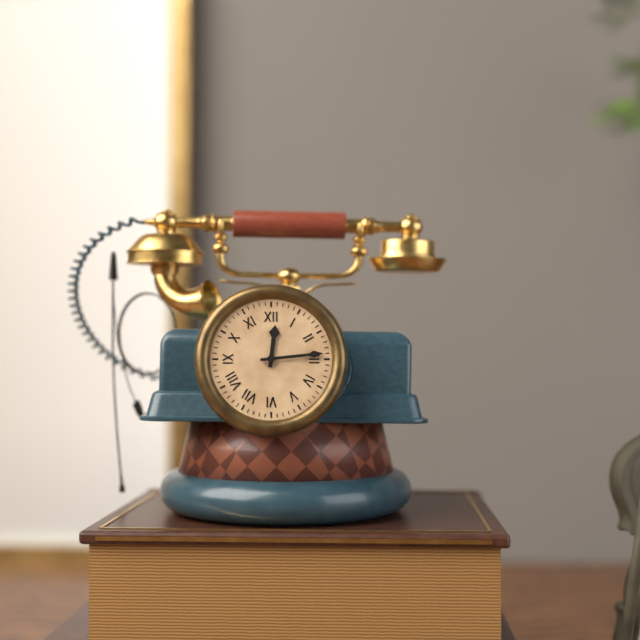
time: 12:14
